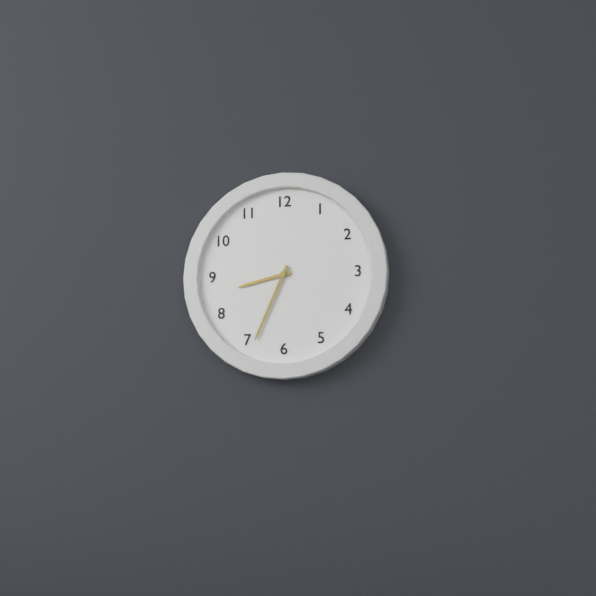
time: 8:34
